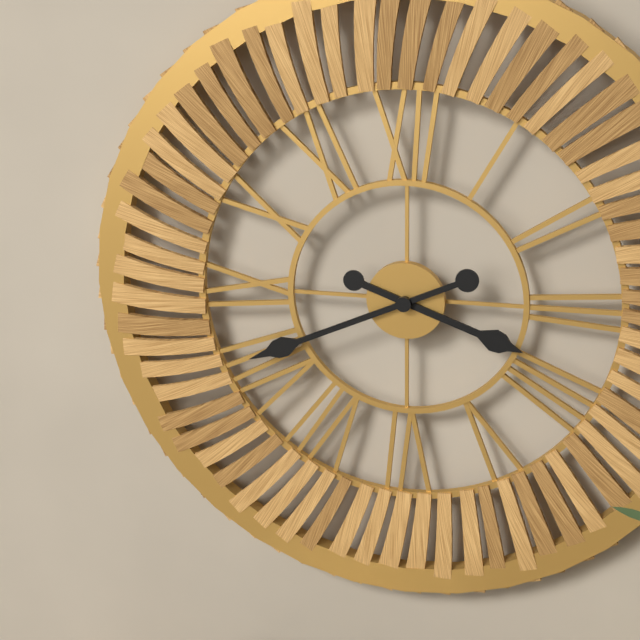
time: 3:41
